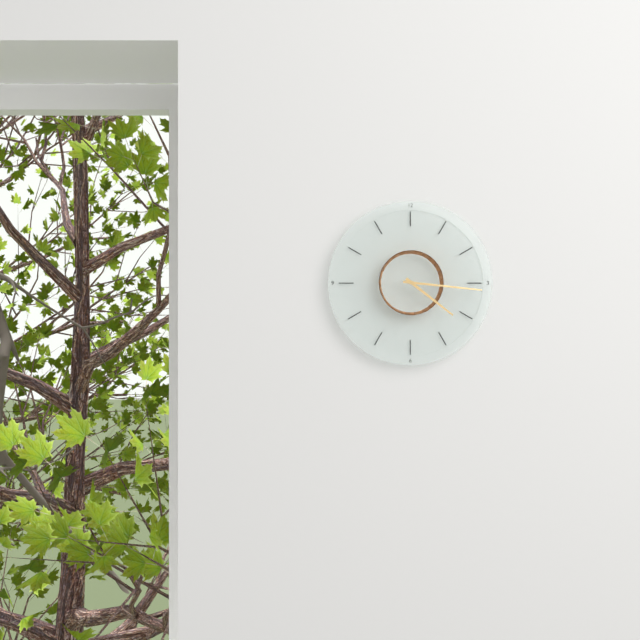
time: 4:16
